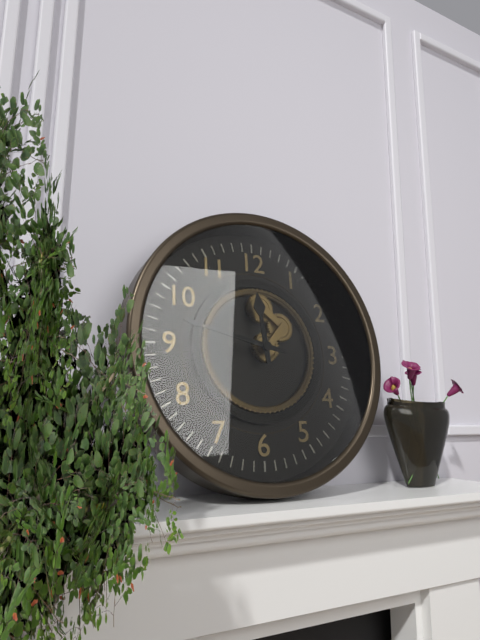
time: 11:47
